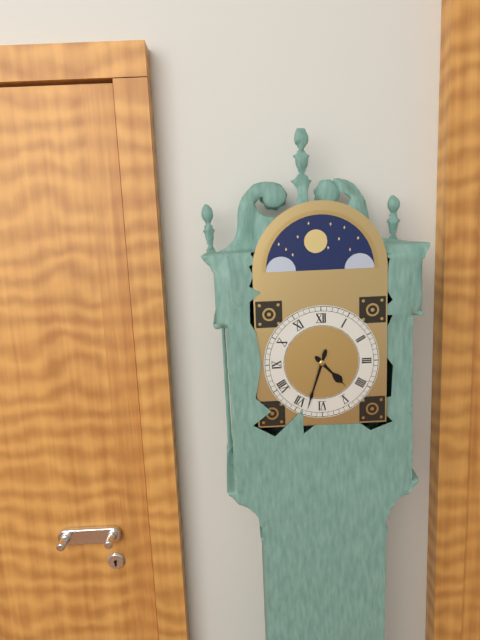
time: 4:33
